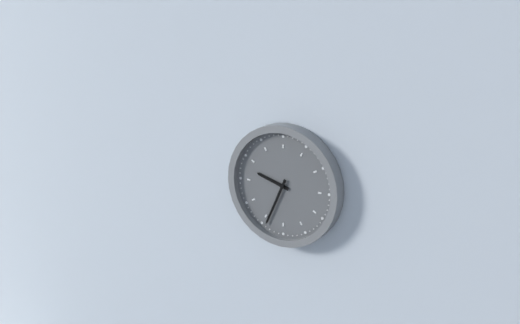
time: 9:34
